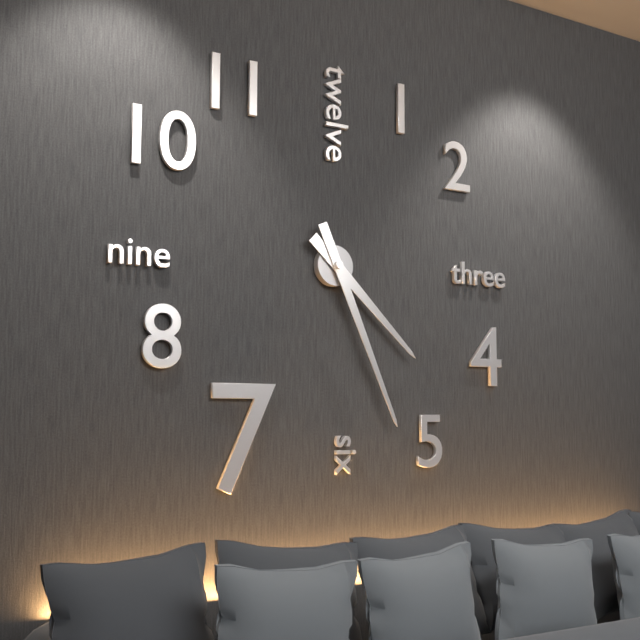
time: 4:26
